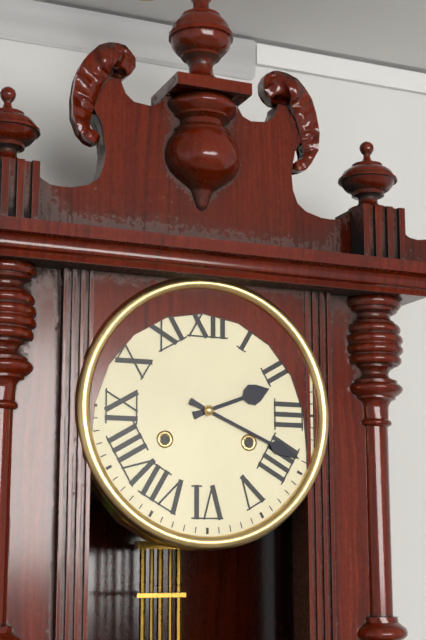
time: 2:19
